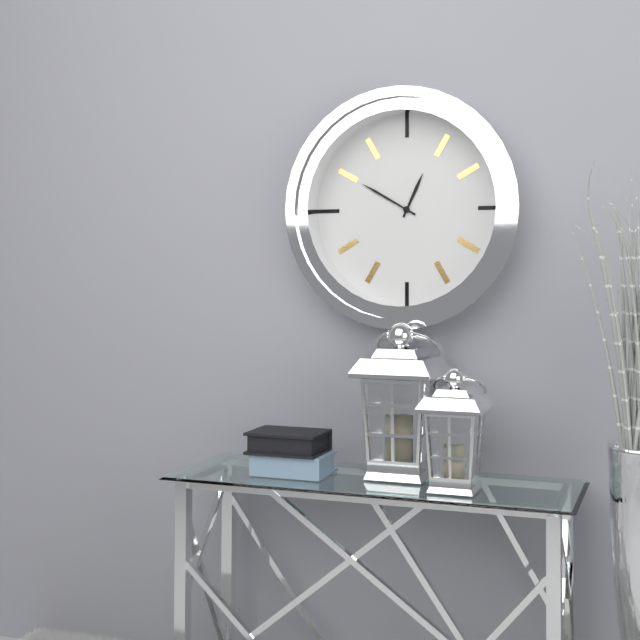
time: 12:50
